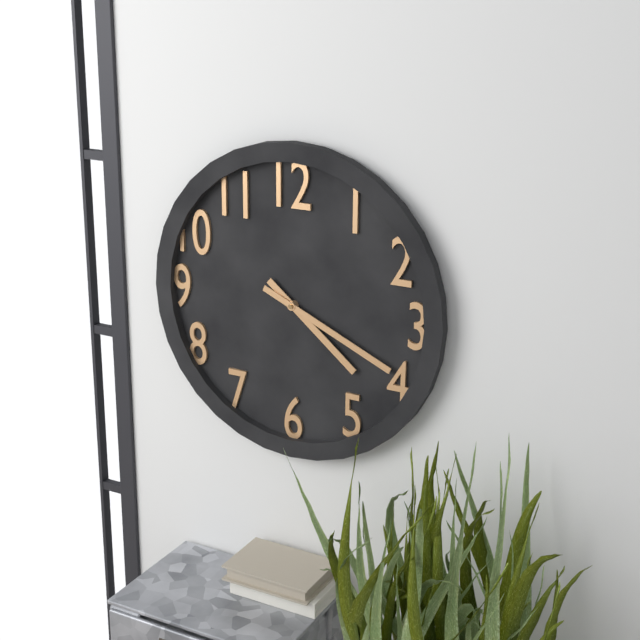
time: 4:19
